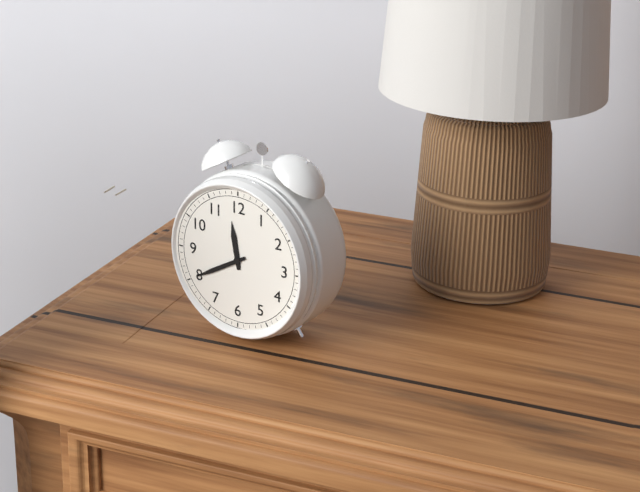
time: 11:40
